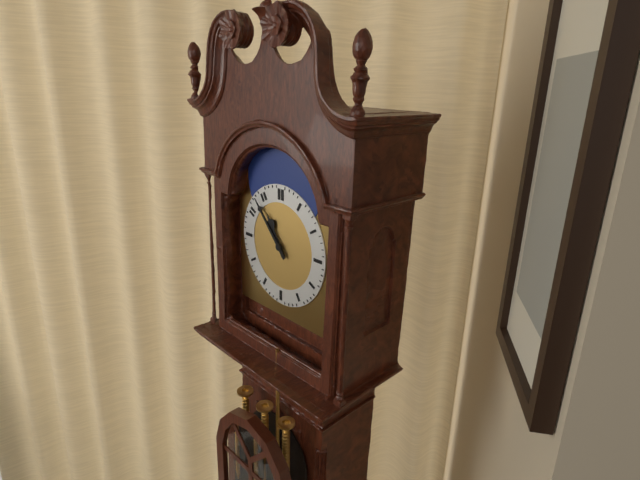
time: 10:53
